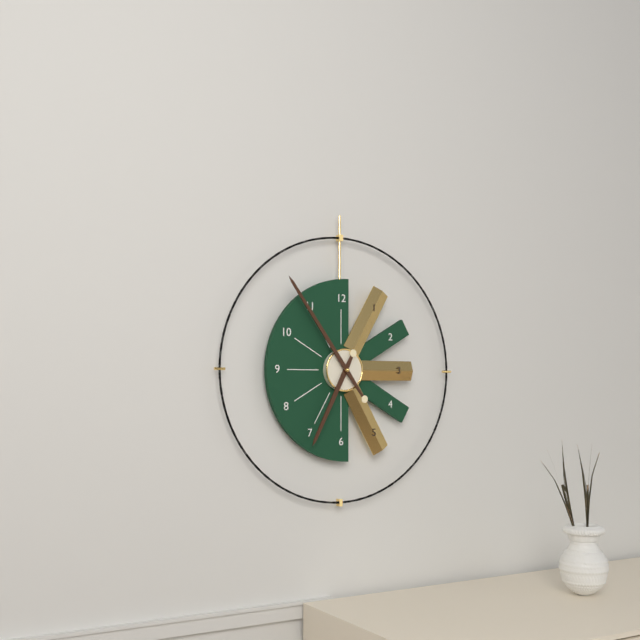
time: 6:54
